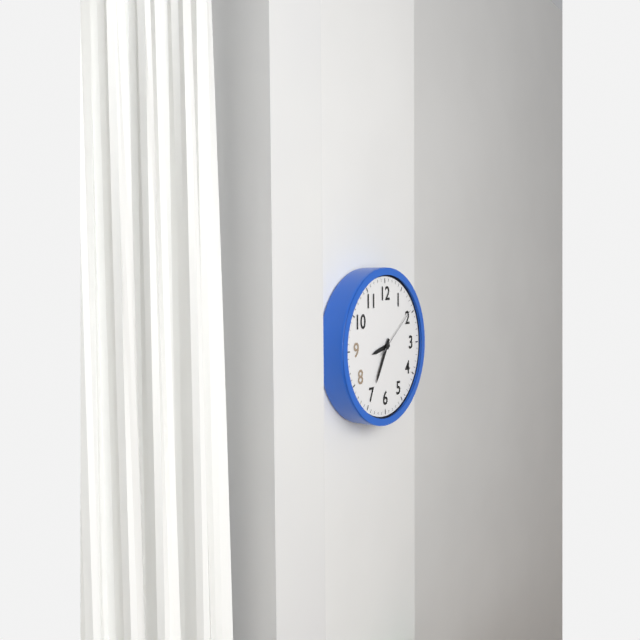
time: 8:35:09
